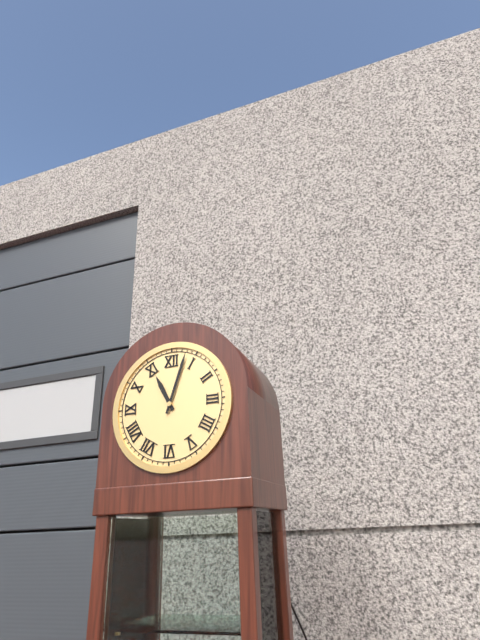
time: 11:03
